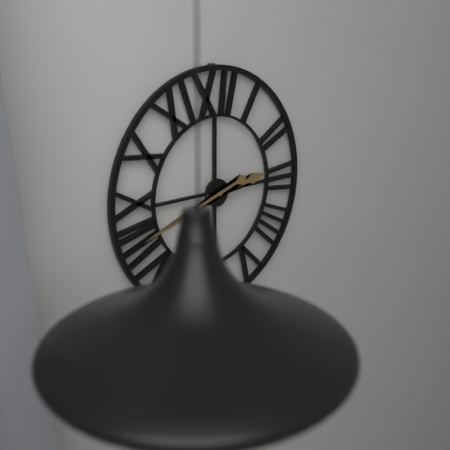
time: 2:42
